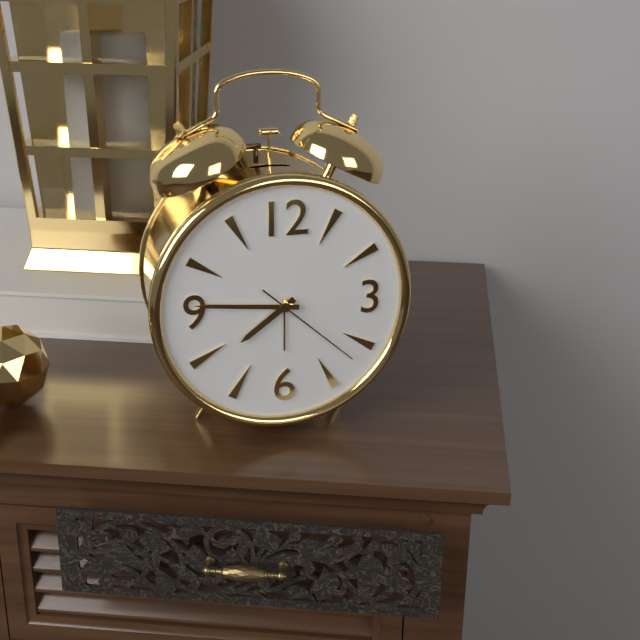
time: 7:46:22
